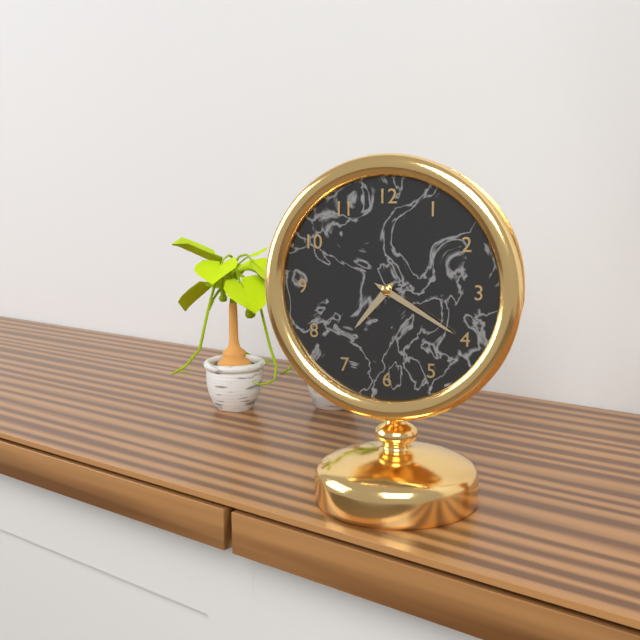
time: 7:20
